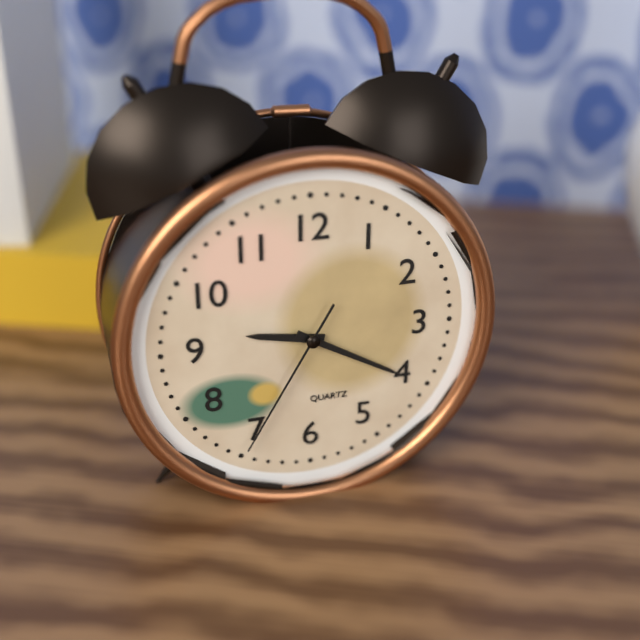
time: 9:20:35
